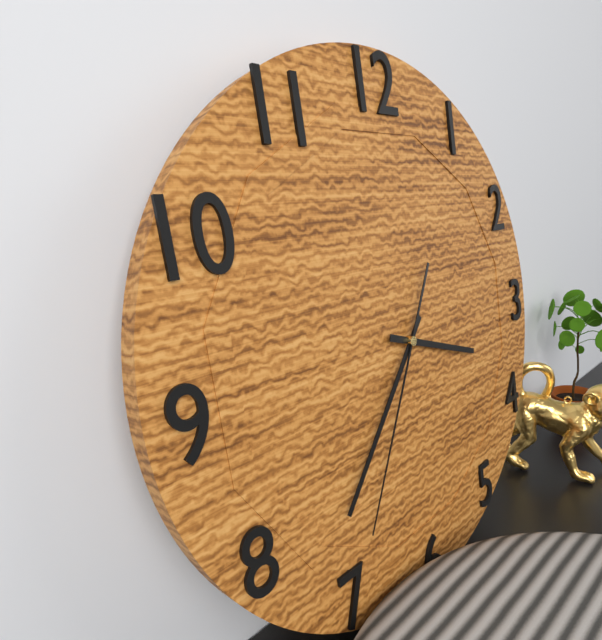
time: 3:37:35
